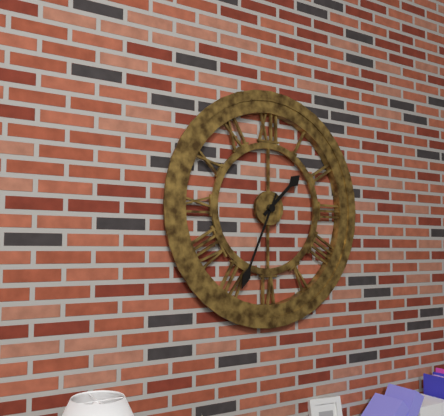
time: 1:34
